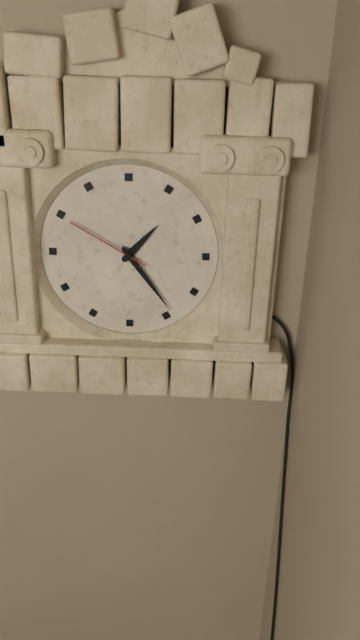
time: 1:24:50
